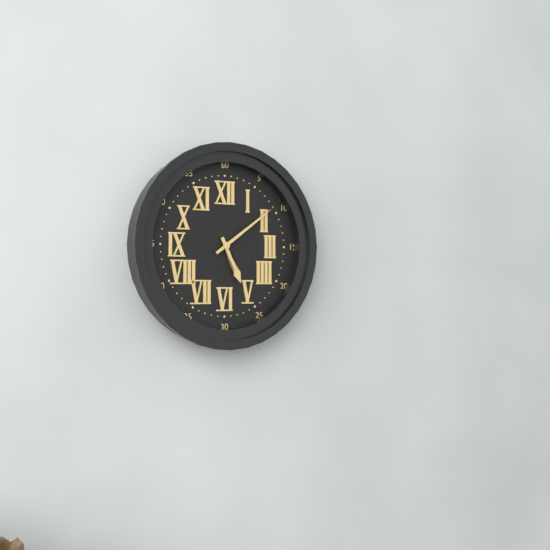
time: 5:09
